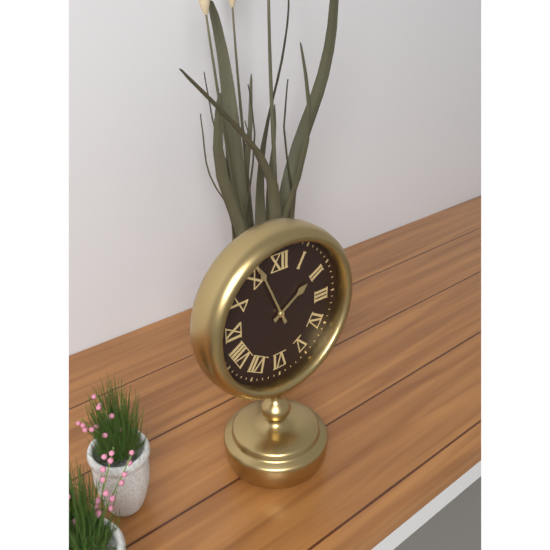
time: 1:56
